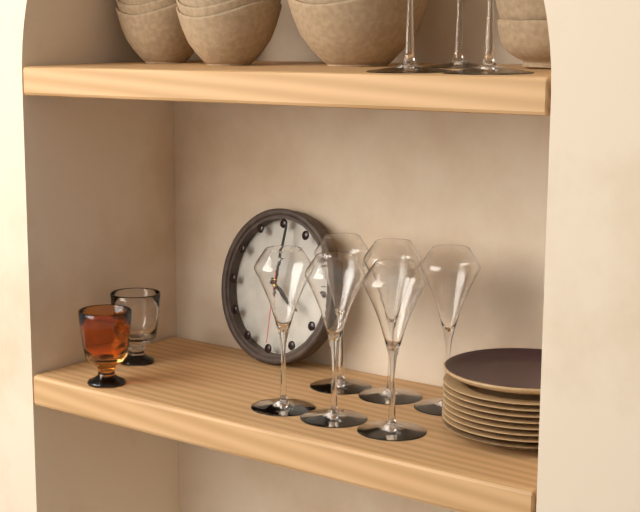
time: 4:01:30
